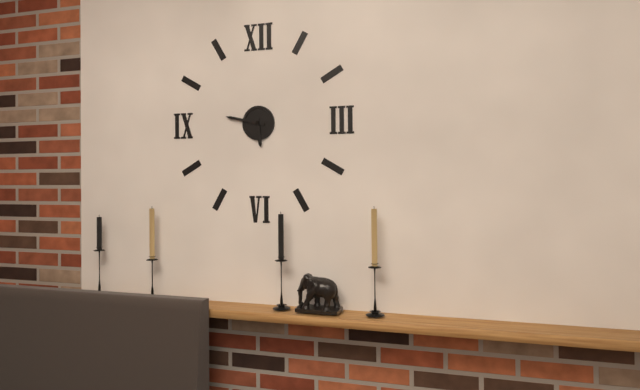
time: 5:47
